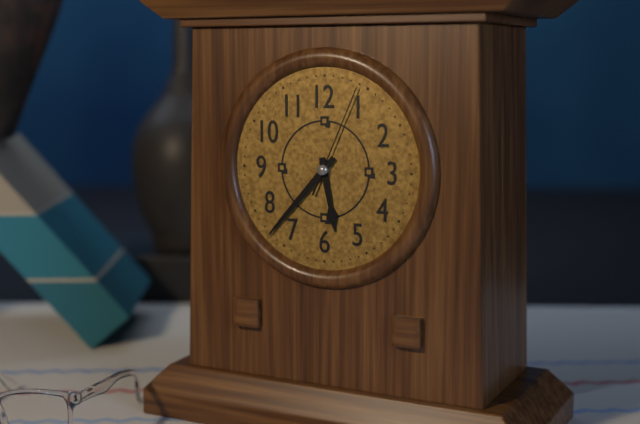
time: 5:37:04
